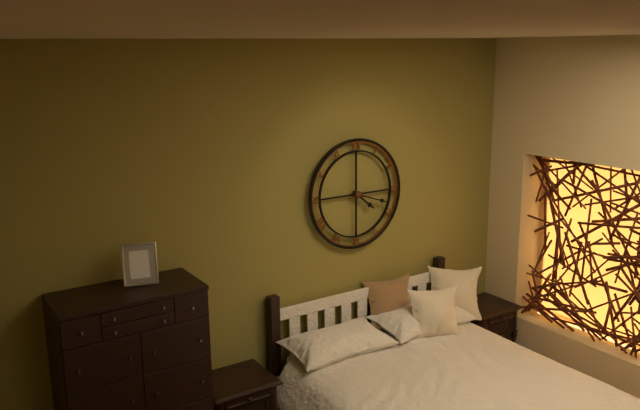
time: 4:18
